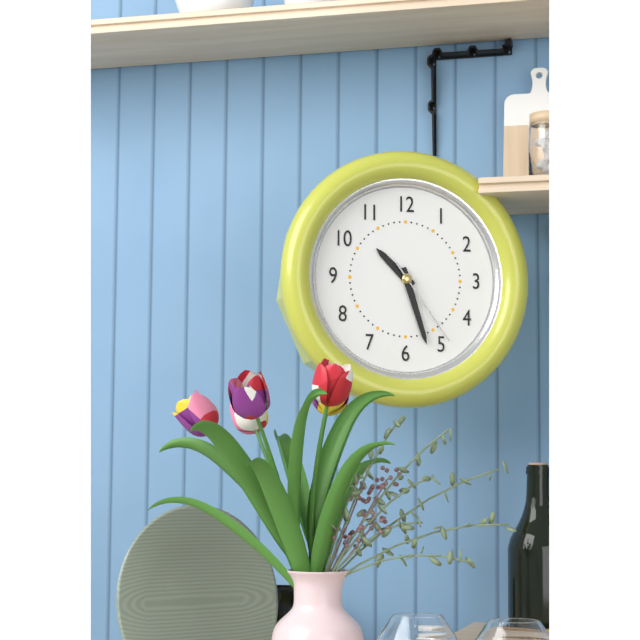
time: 10:27:24
